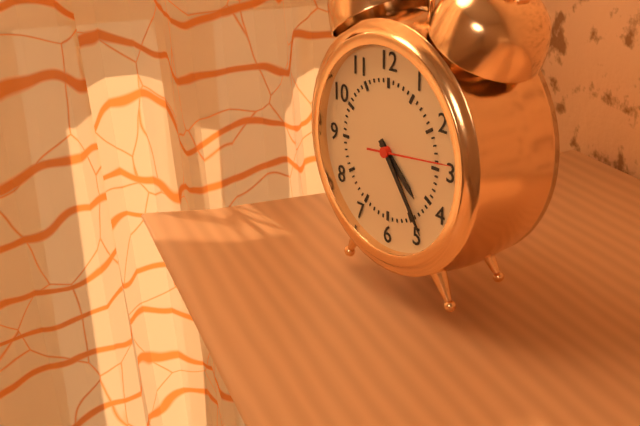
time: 4:24:14
